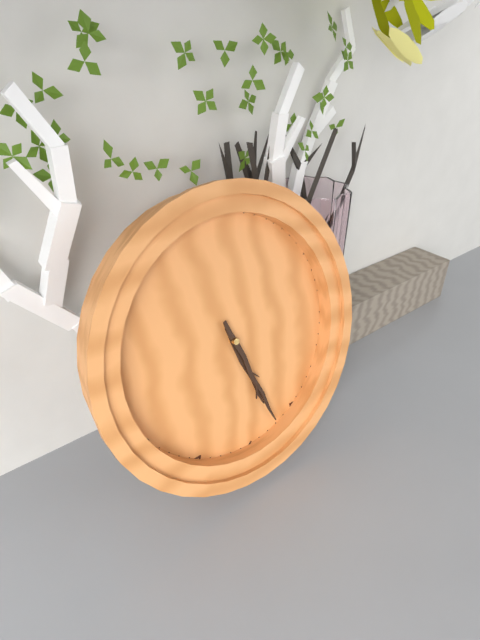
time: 5:27
